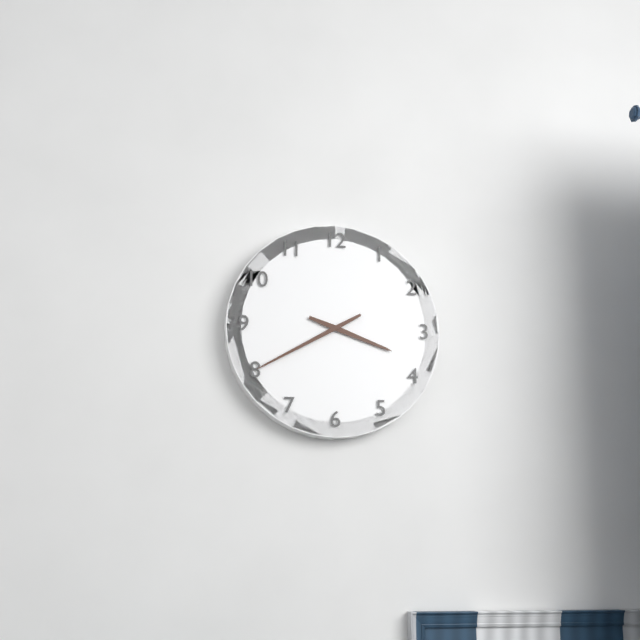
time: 3:40
